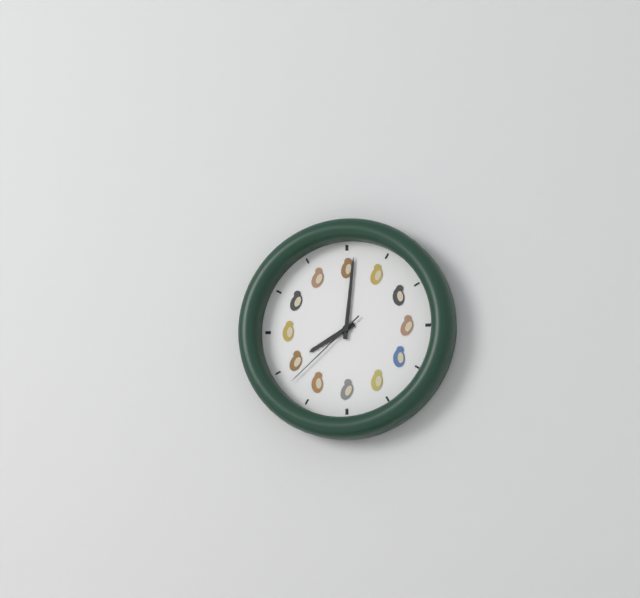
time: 8:01:38
